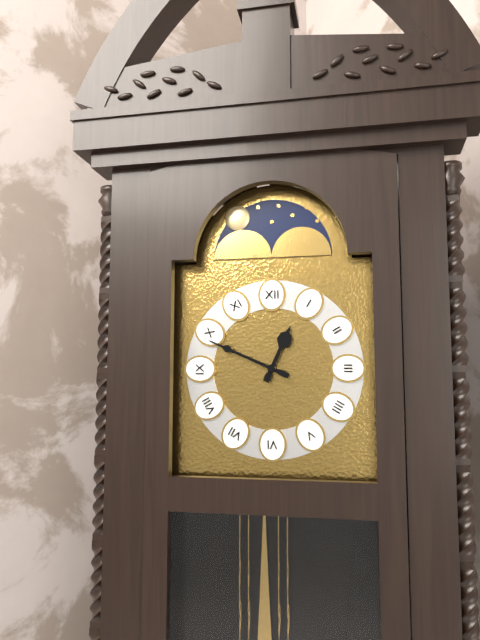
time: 12:49
